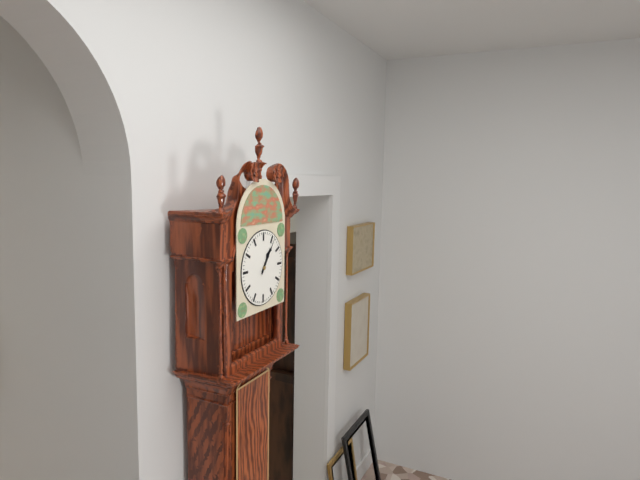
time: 1:06
